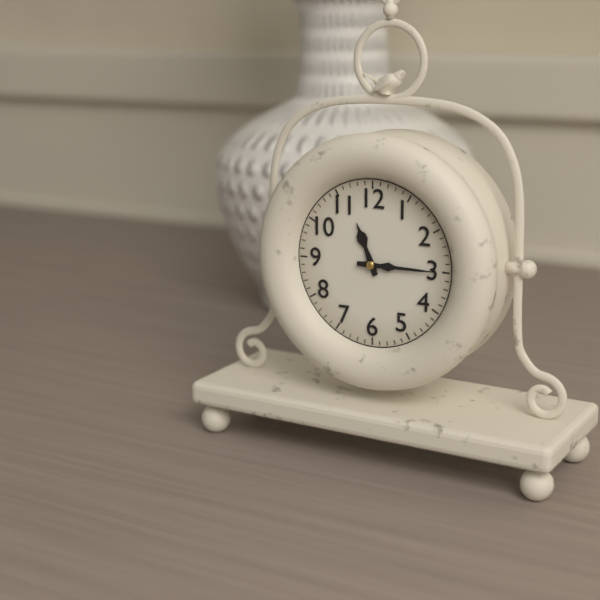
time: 11:15
